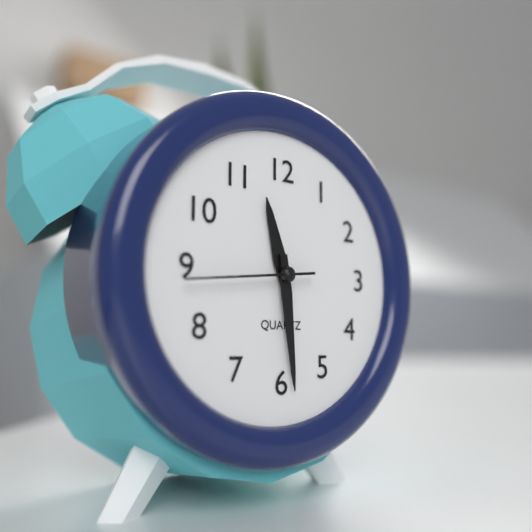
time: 11:29:44
